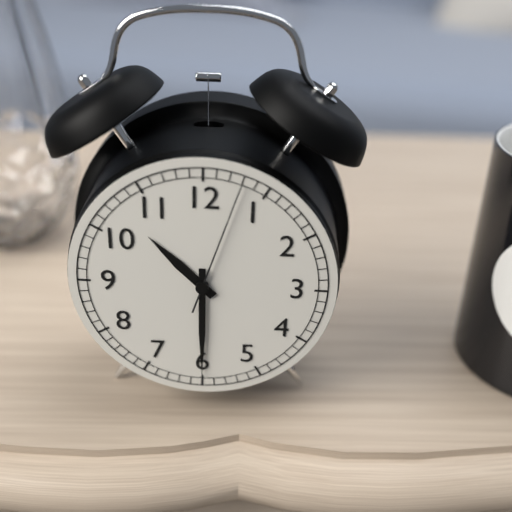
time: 10:30:03
